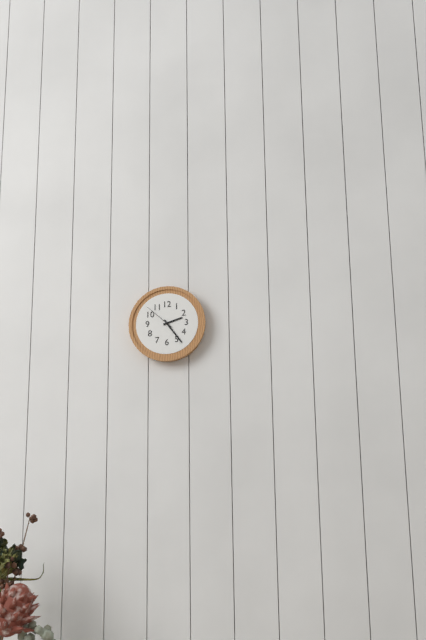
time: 2:24
